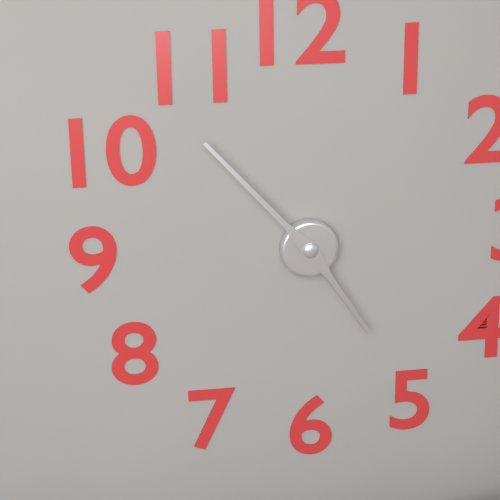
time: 4:53
